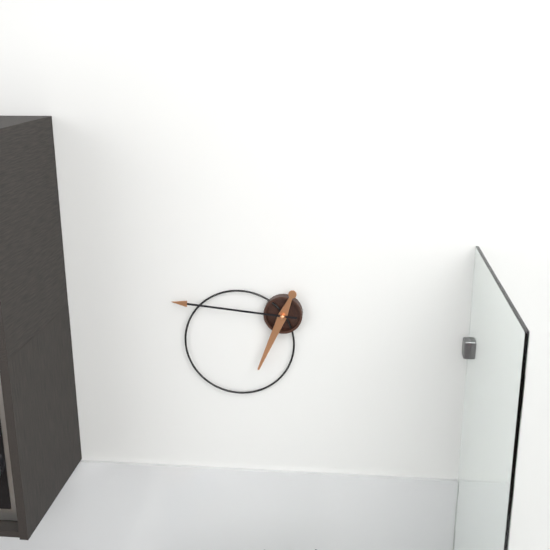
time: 6:46
